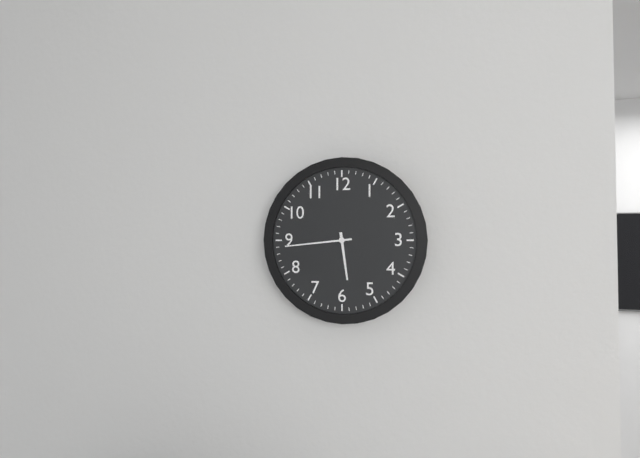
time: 5:44
